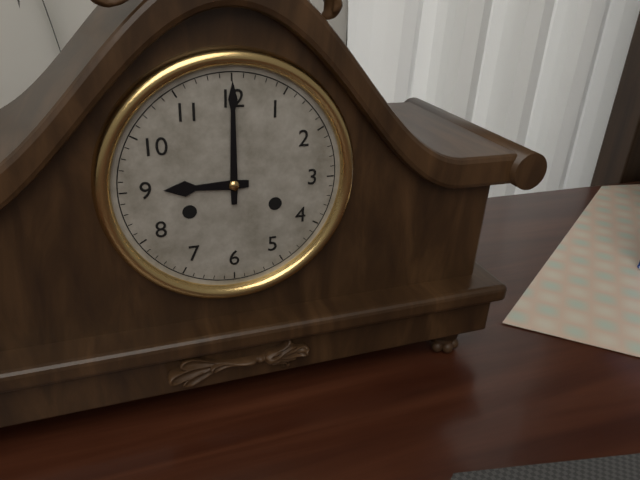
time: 9:00
